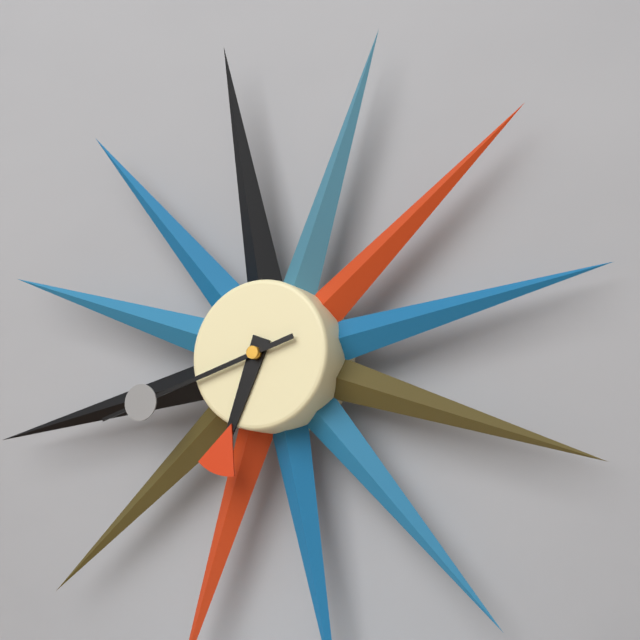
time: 6:42
